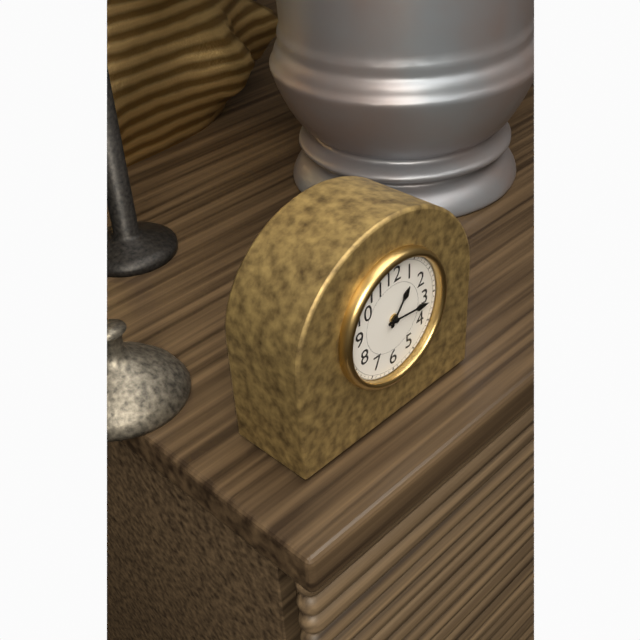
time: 1:16
